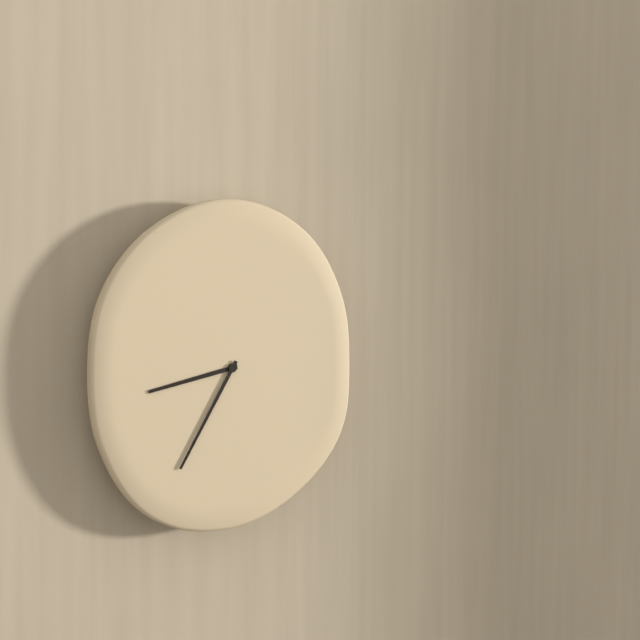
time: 8:35
